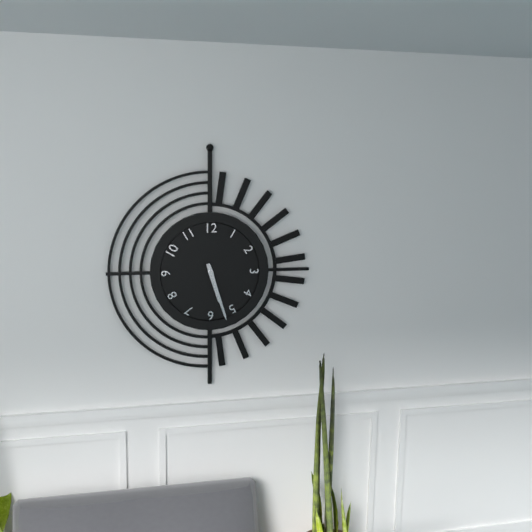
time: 5:27
